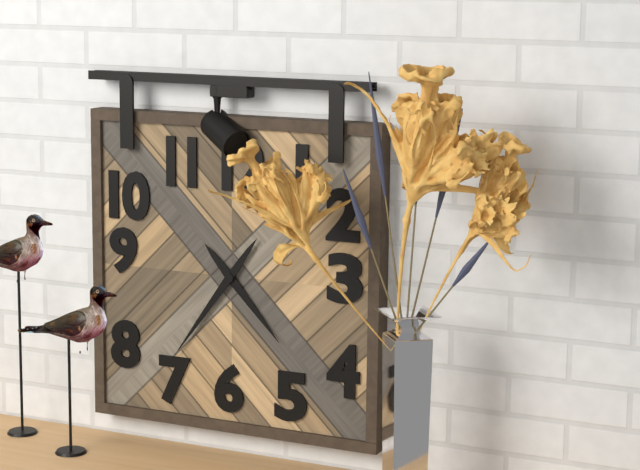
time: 4:36
